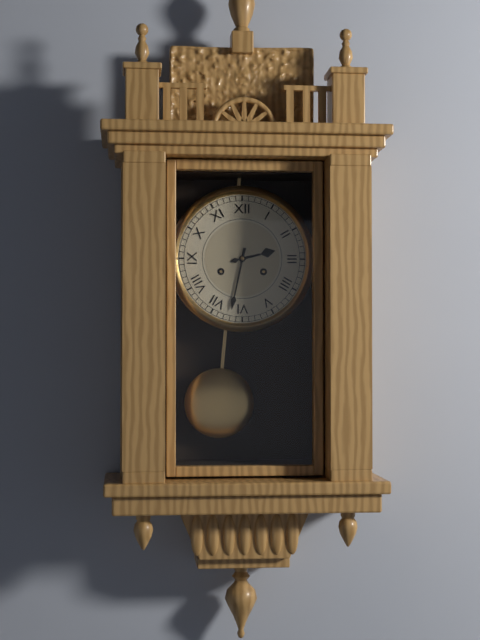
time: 2:32
